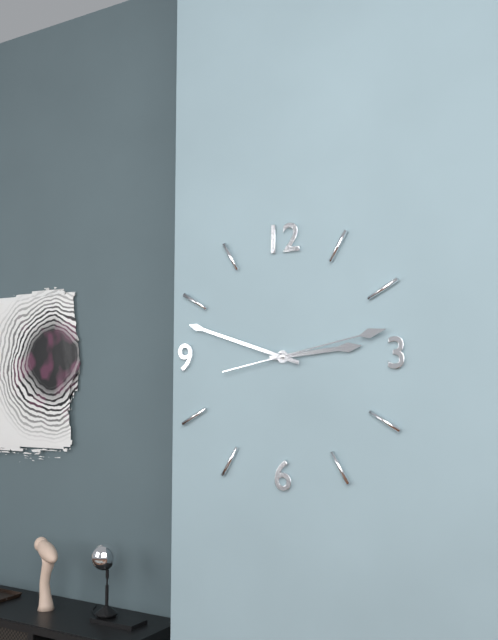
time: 2:48:13
